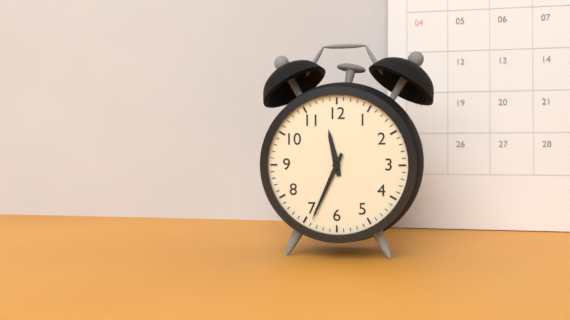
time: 11:34
